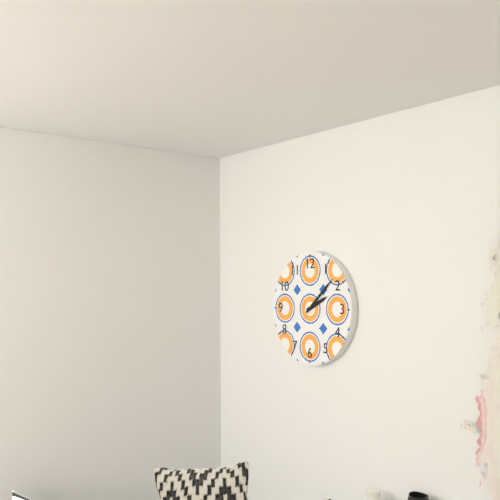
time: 2:08
